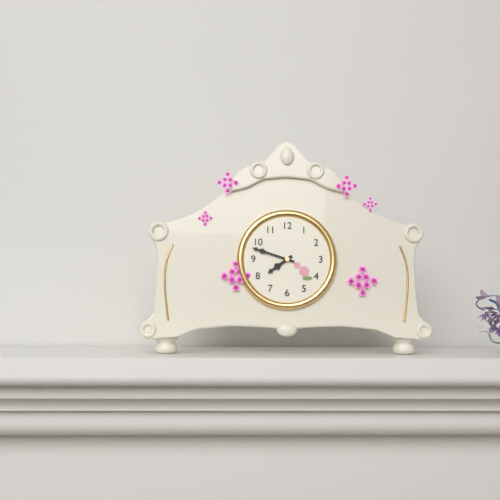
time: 7:48
